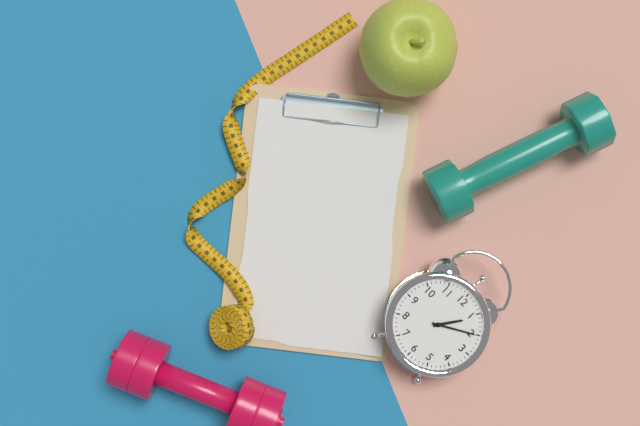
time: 1:10
